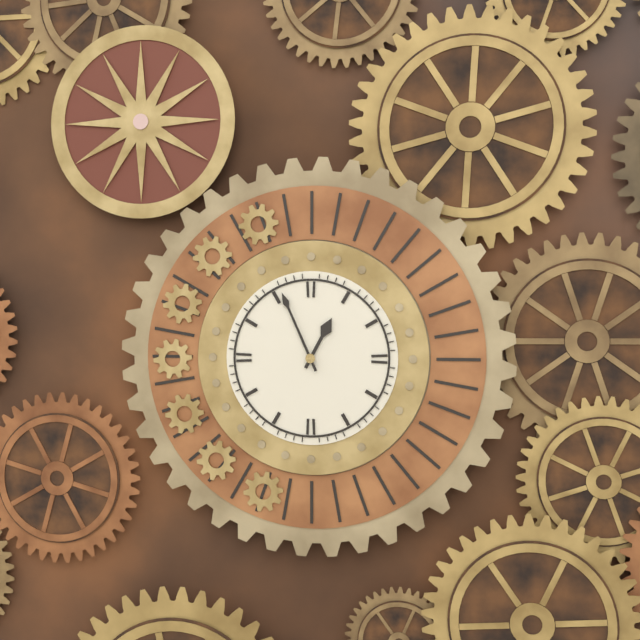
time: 12:56
